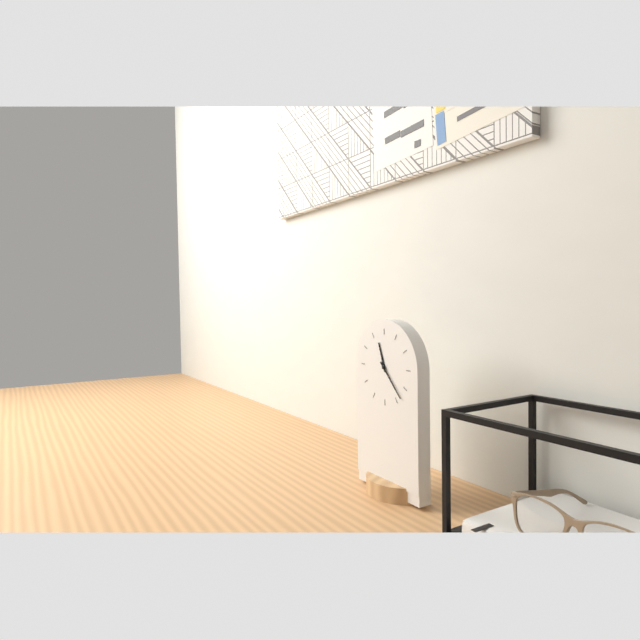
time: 11:23
